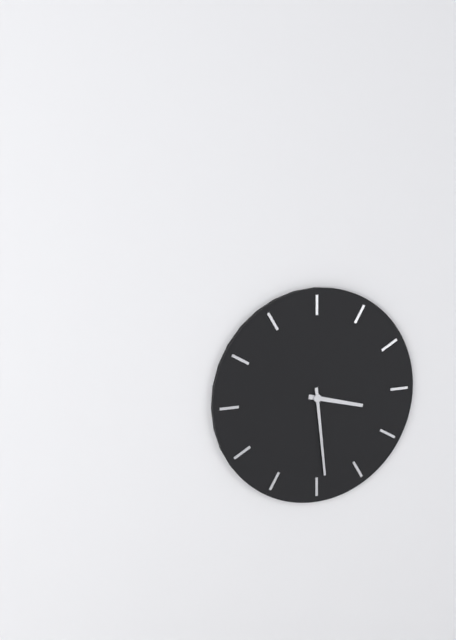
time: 3:29
